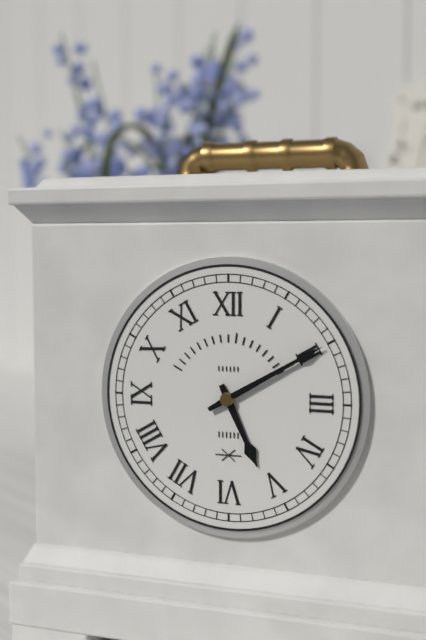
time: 5:10
